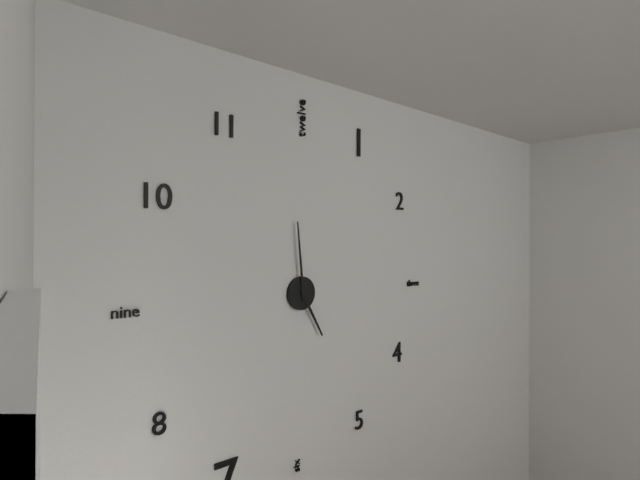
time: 4:59
